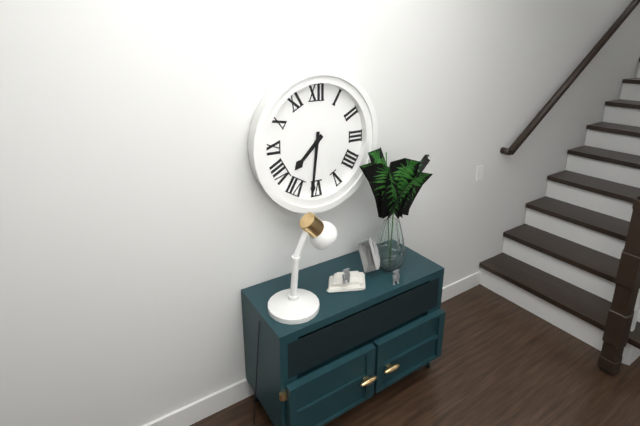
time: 7:31
